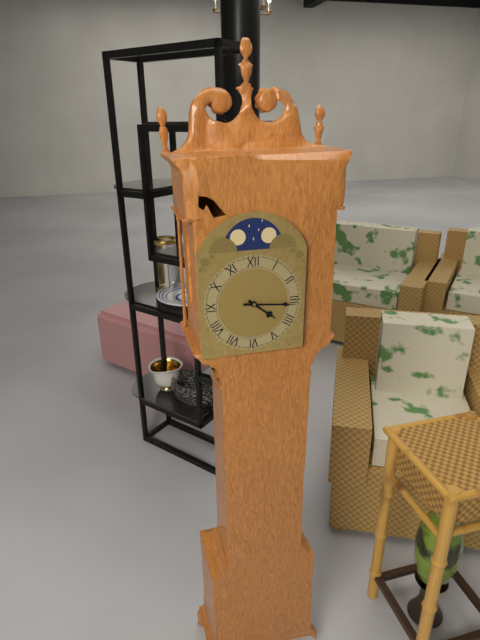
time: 4:16
